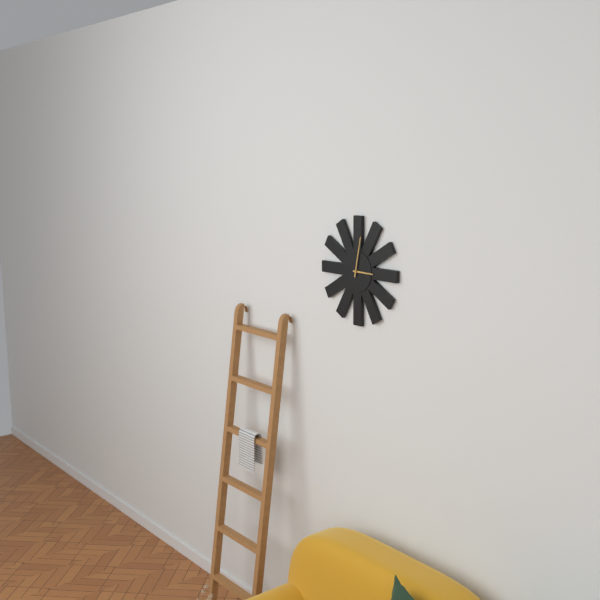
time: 3:02
